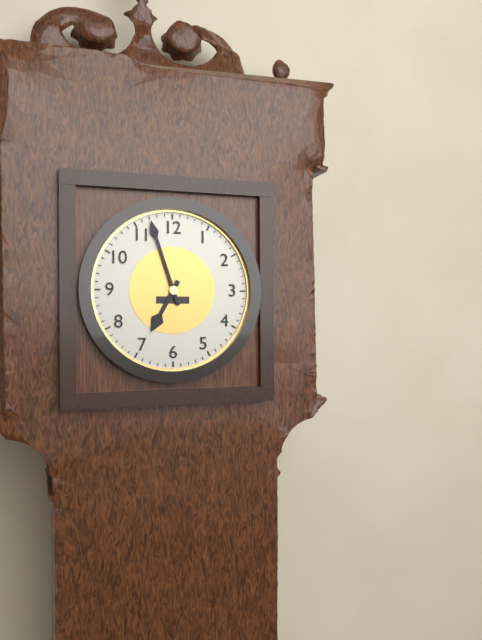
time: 6:57
